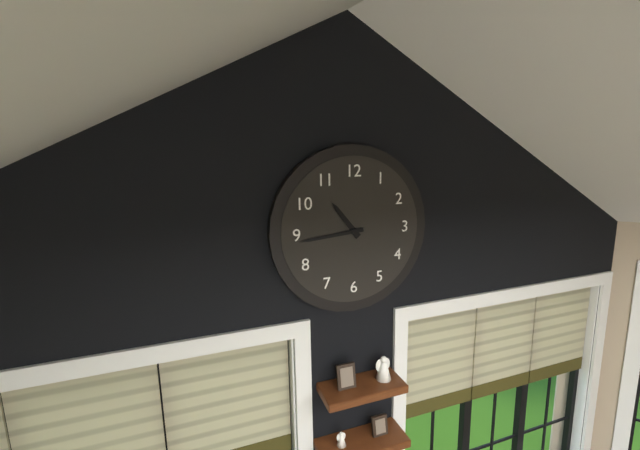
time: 10:44
